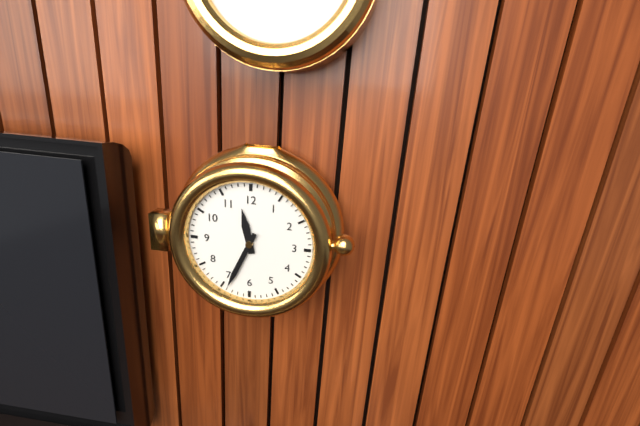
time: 11:34
